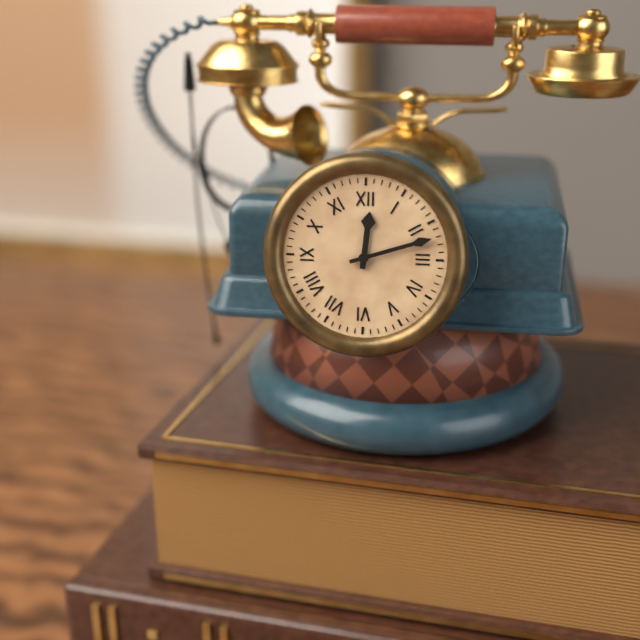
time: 12:12
